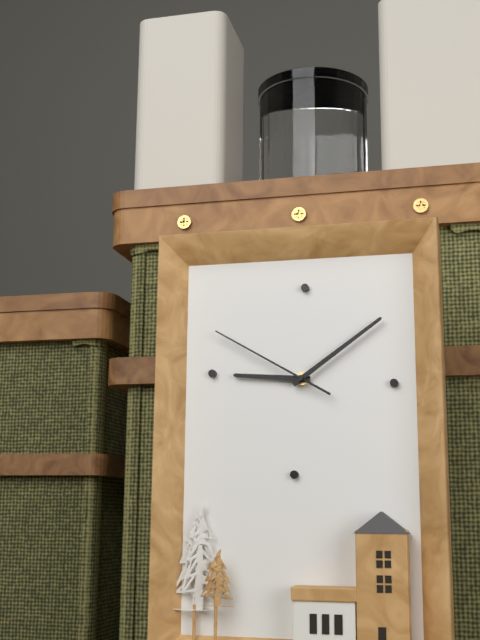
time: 9:09:50
